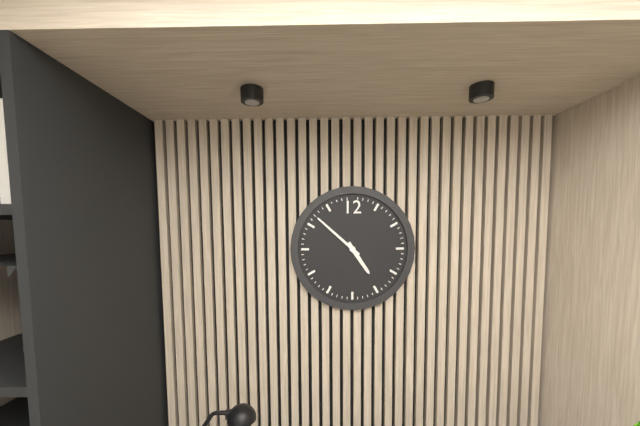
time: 4:52
